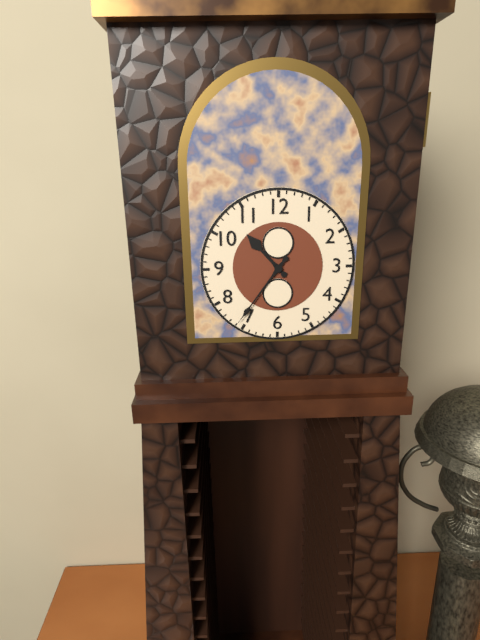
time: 10:36
